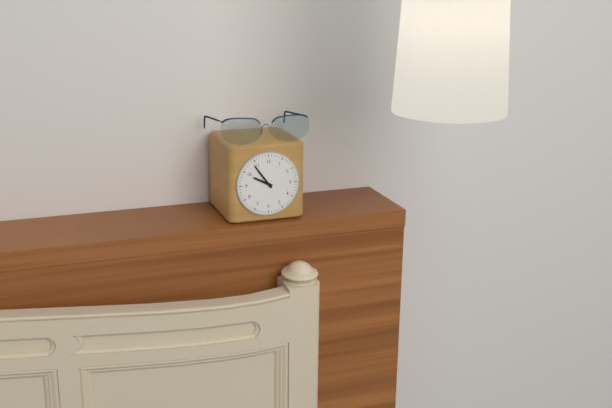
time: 9:54
